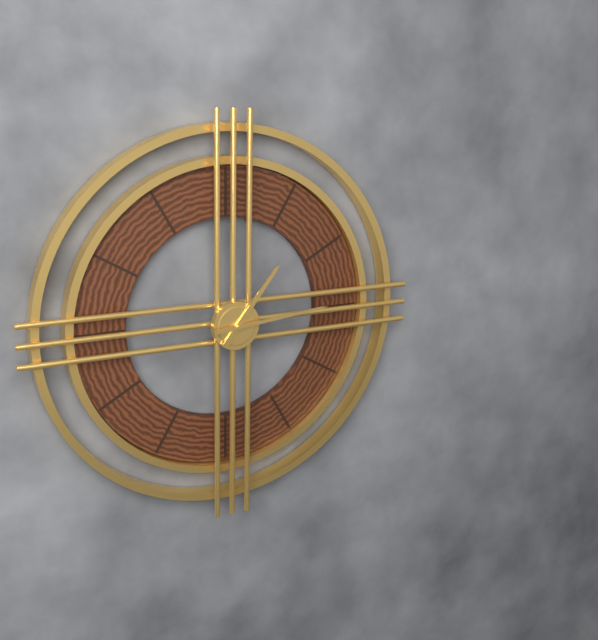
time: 1:14
